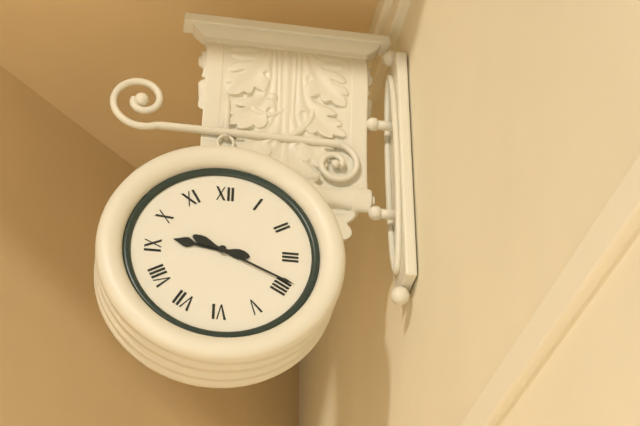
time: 9:19
